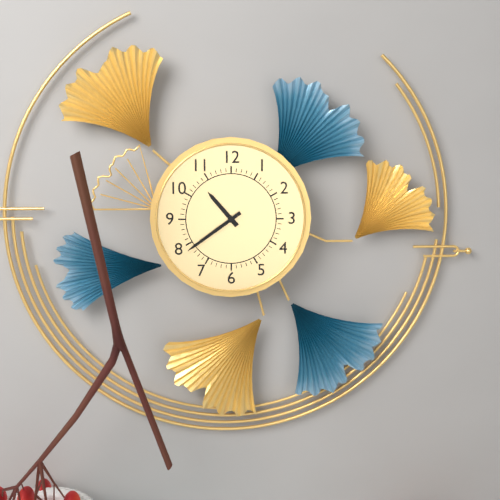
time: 10:39
